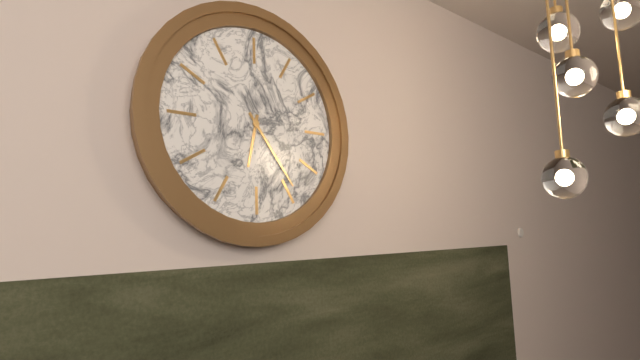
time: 6:24
